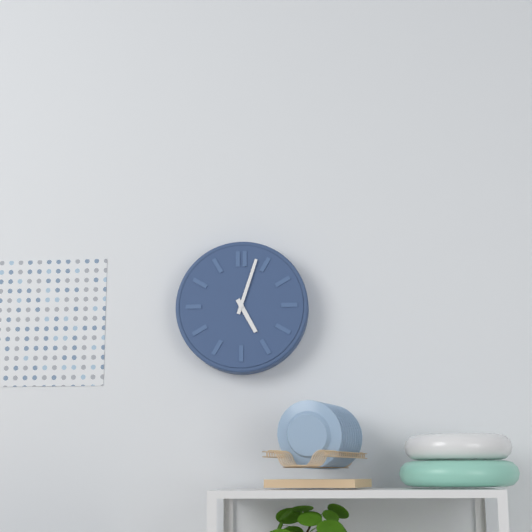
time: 5:03
